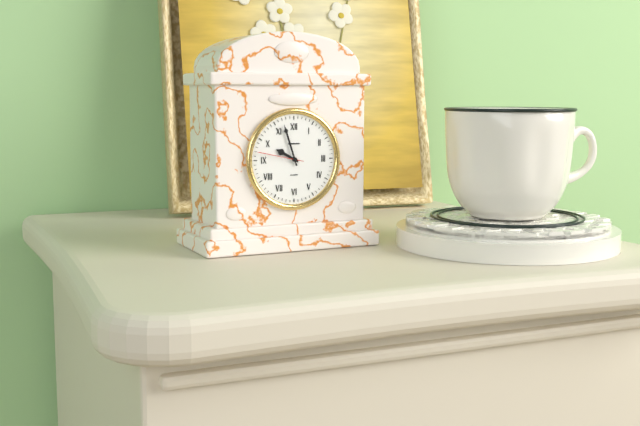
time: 9:57
